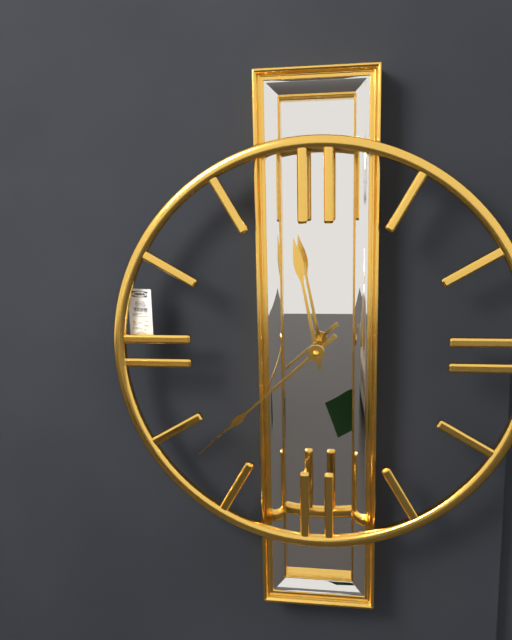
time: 11:38
